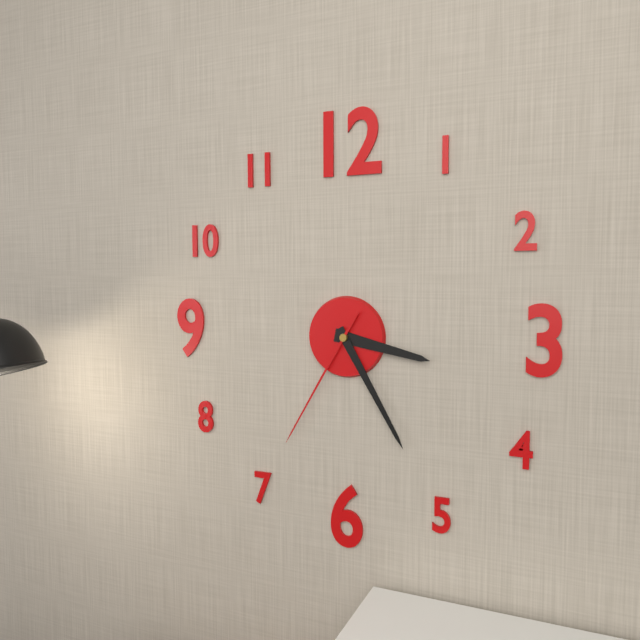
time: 3:25:35
